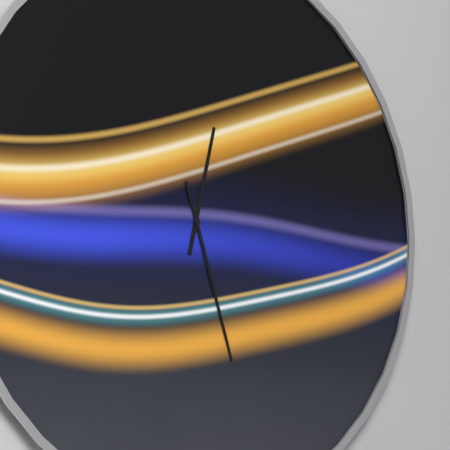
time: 12:27
